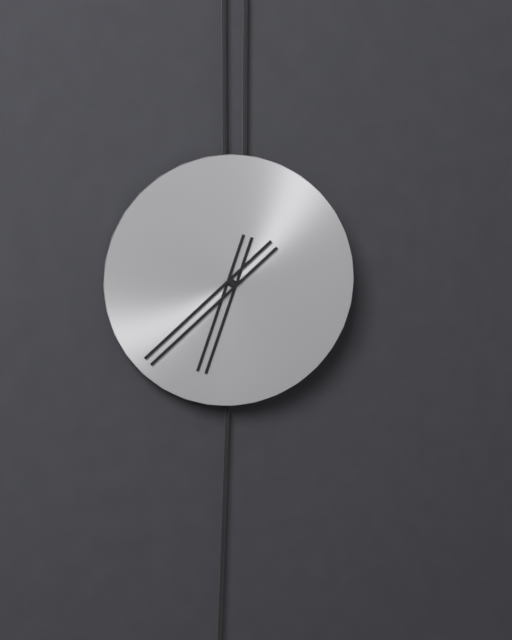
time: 6:38
